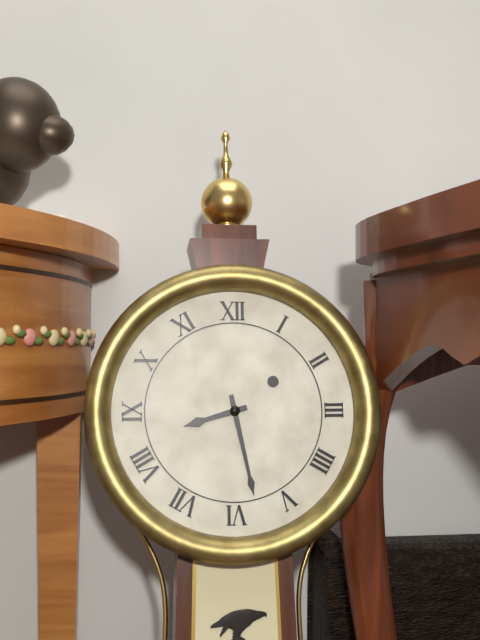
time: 8:28
